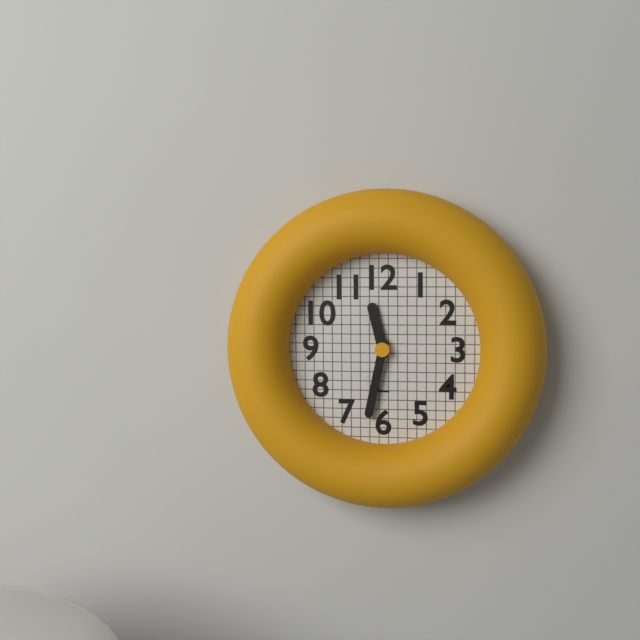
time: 11:32
